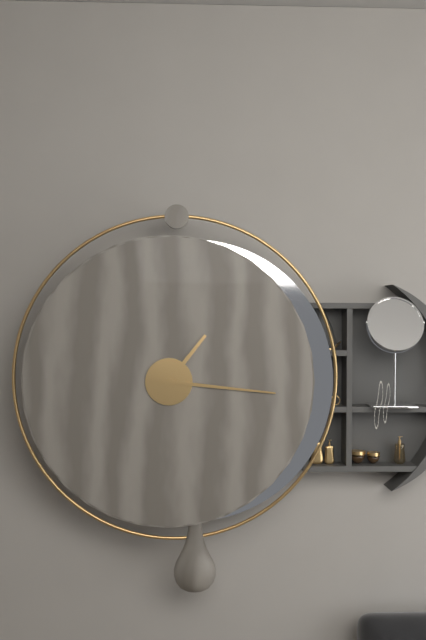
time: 1:16
